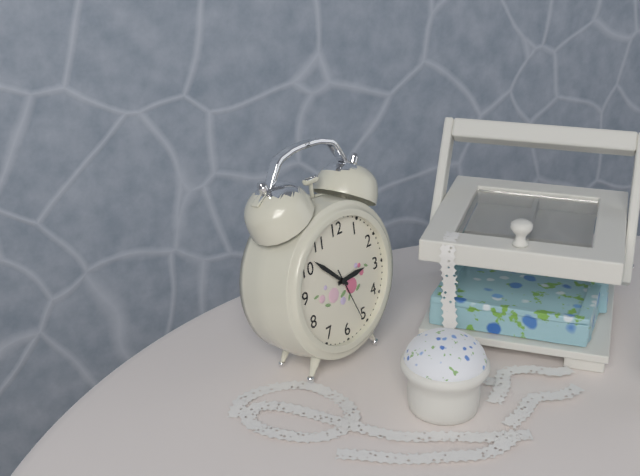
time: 2:52:26
